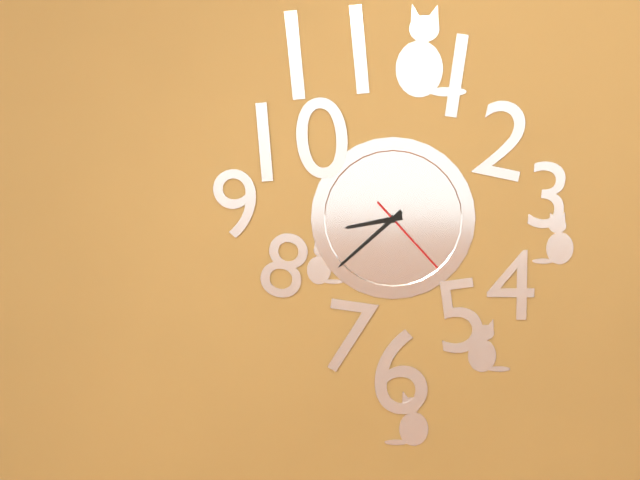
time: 8:38:23
